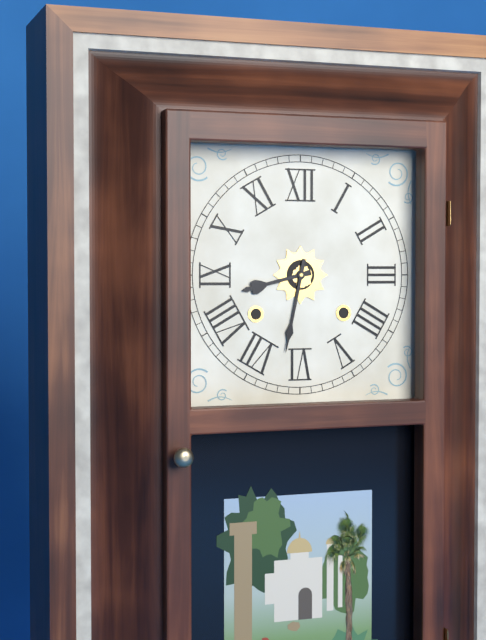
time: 8:32
